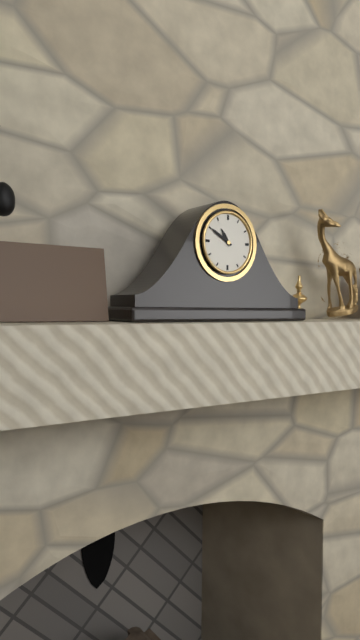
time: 10:50
